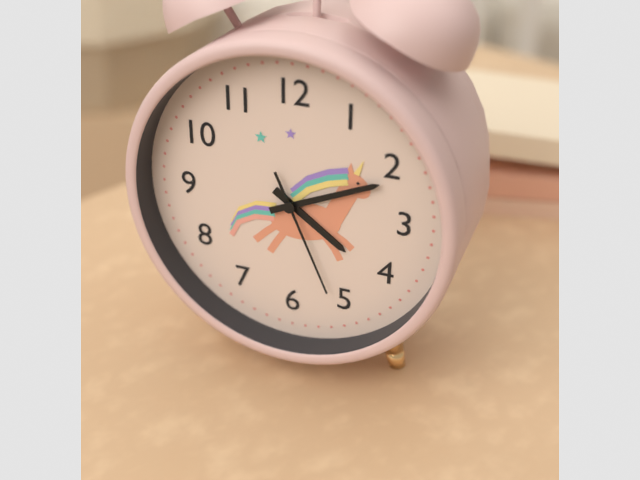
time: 4:11:26
